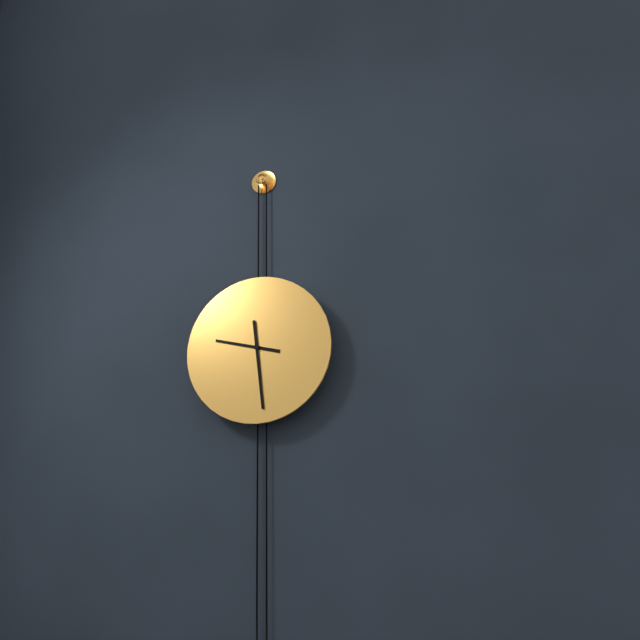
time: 9:29
